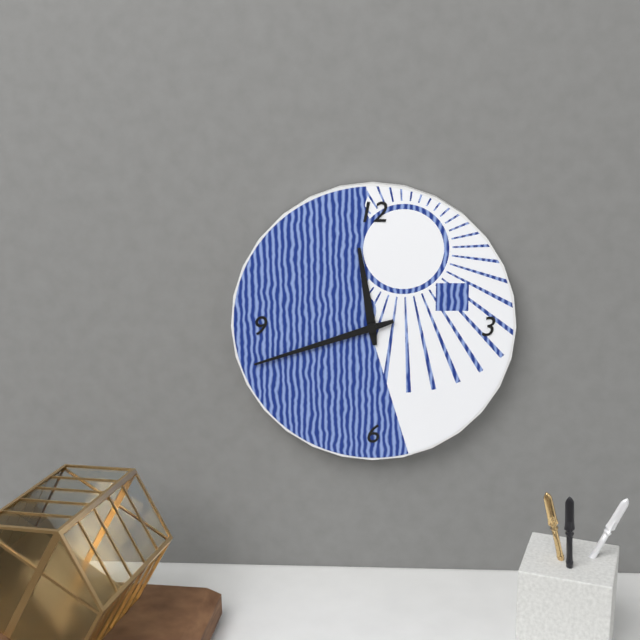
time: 11:42
